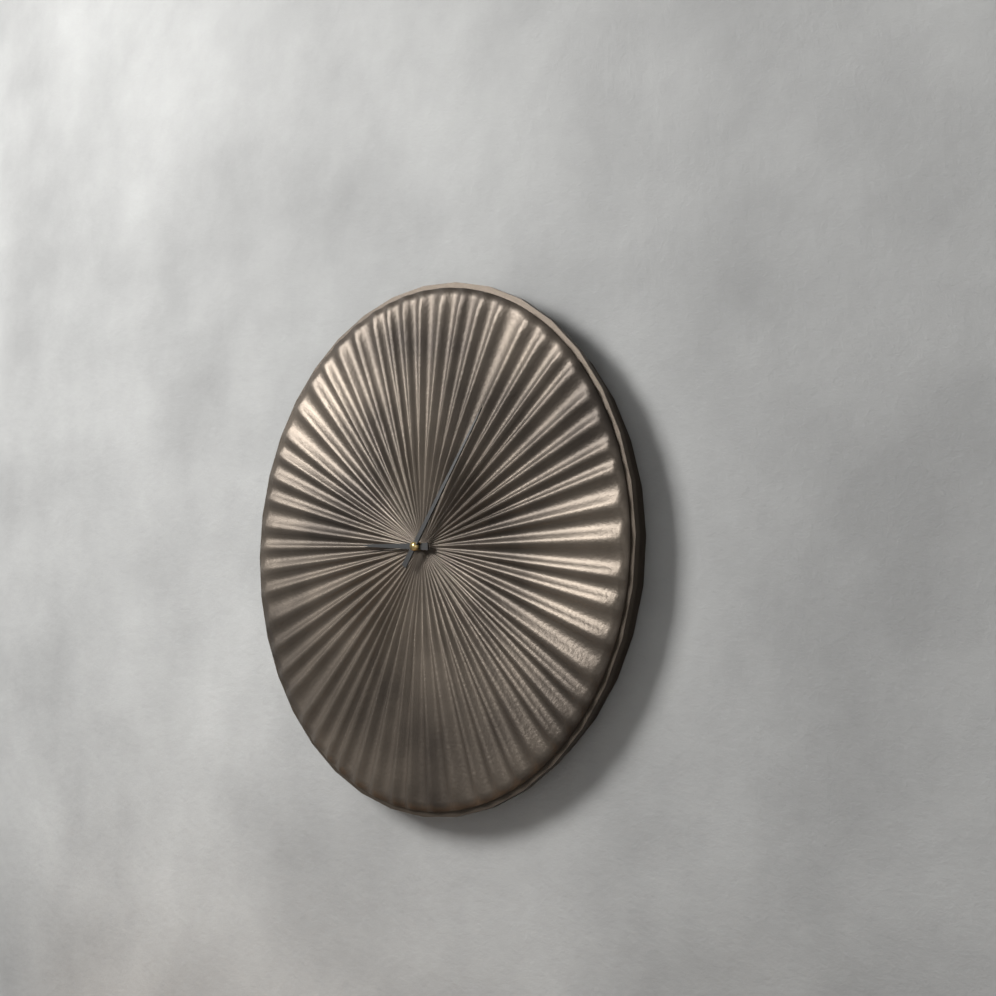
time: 9:06
